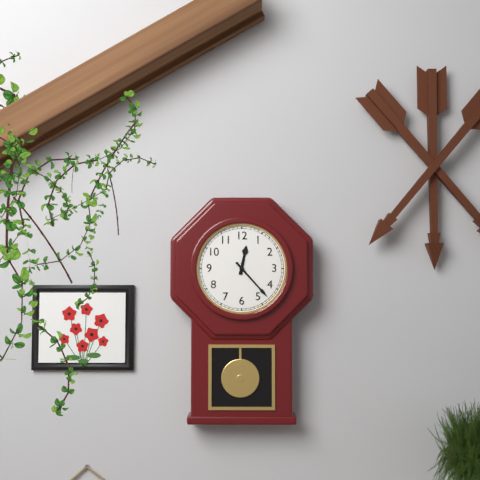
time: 12:23
